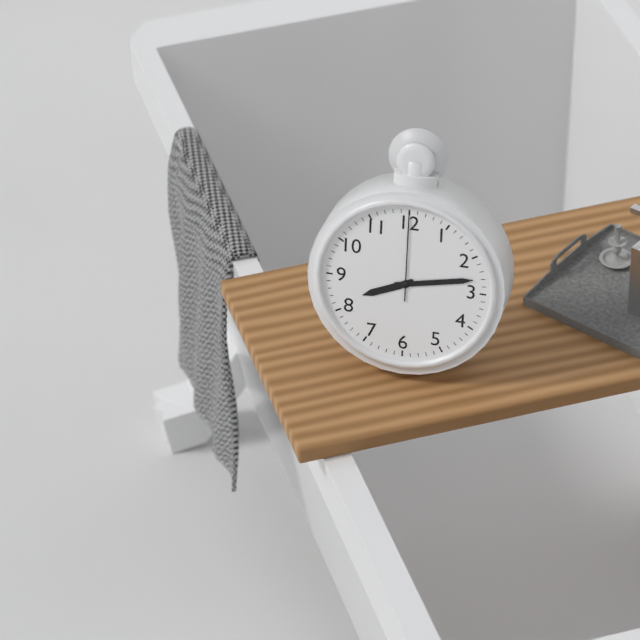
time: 8:13:00
